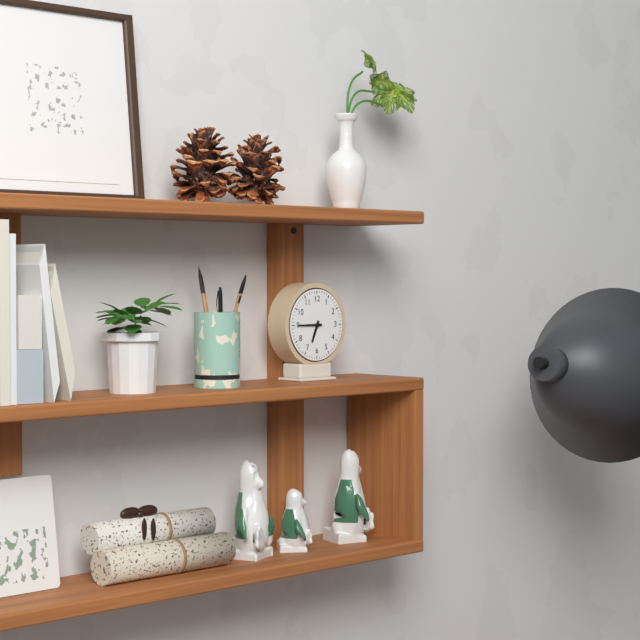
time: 6:45
